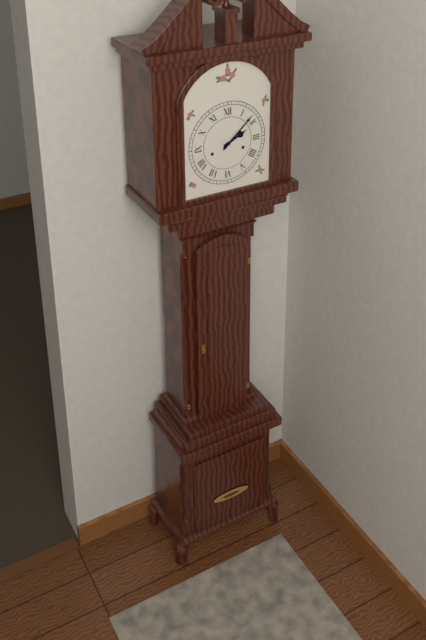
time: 2:08
